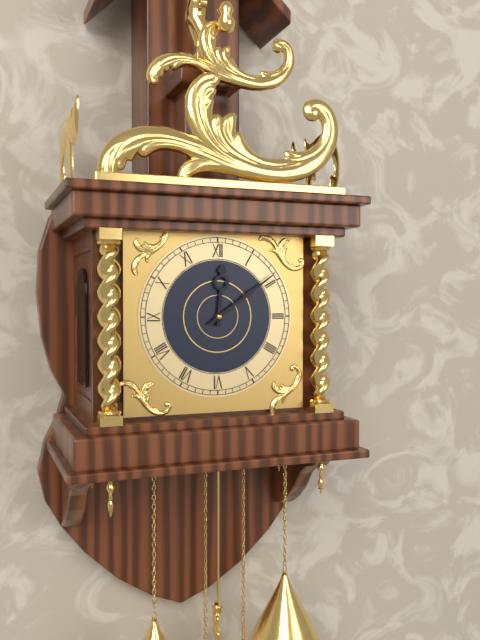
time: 12:09
